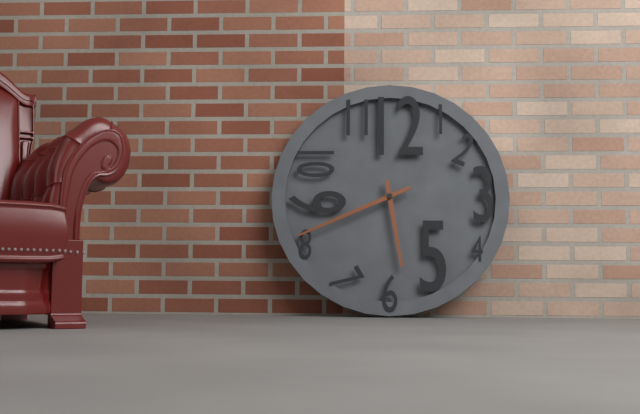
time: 5:41
